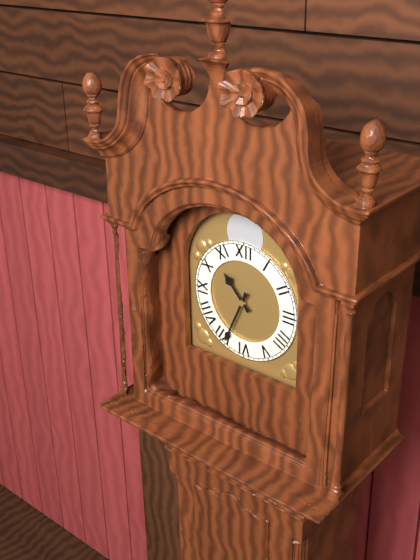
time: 10:34
